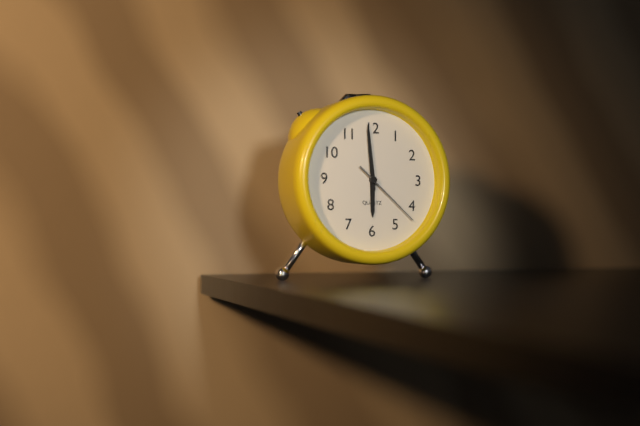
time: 5:59:22
